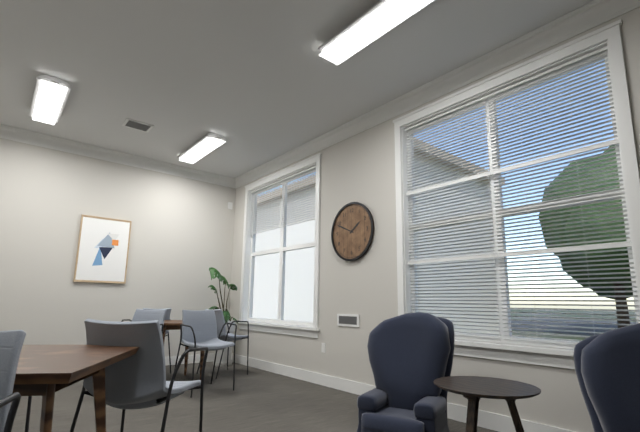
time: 1:49
